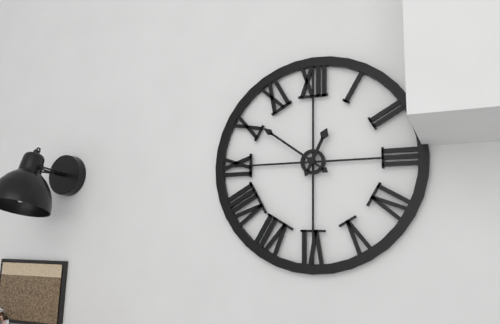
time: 12:51
